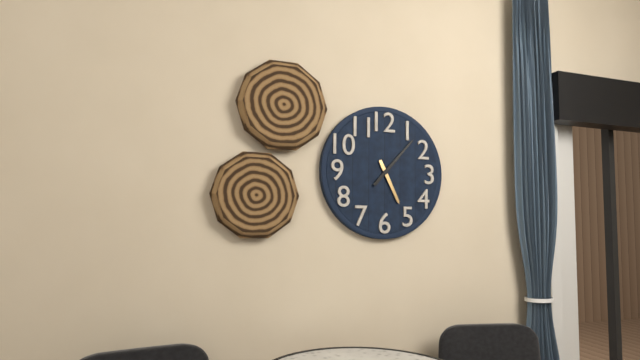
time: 5:07
